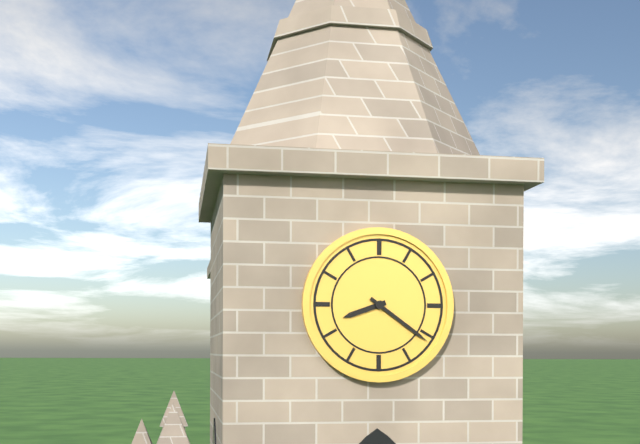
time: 8:21
